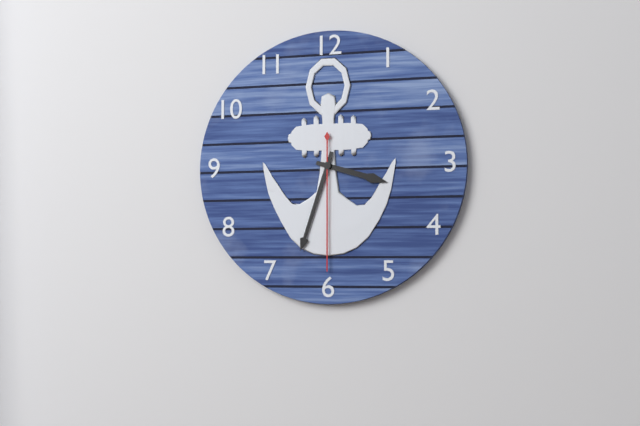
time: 3:33:30
